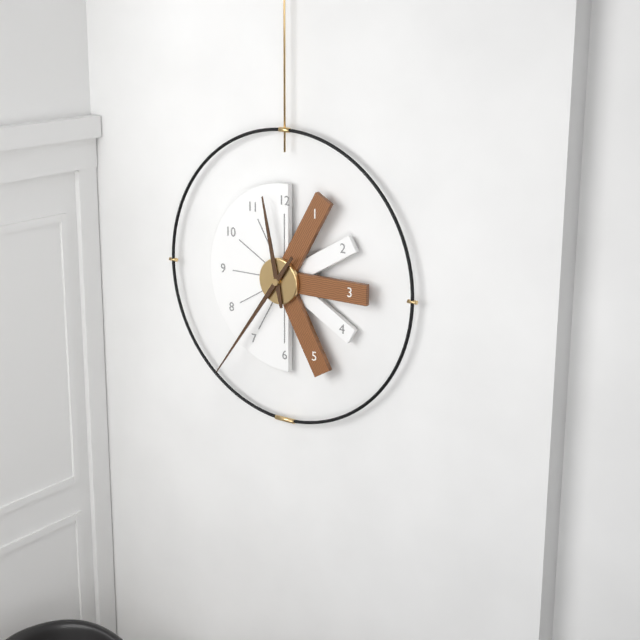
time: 11:36
